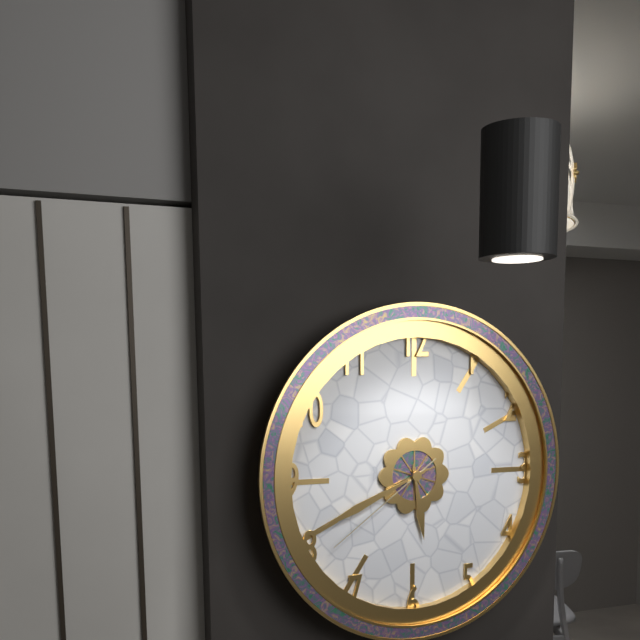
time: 5:41:39
